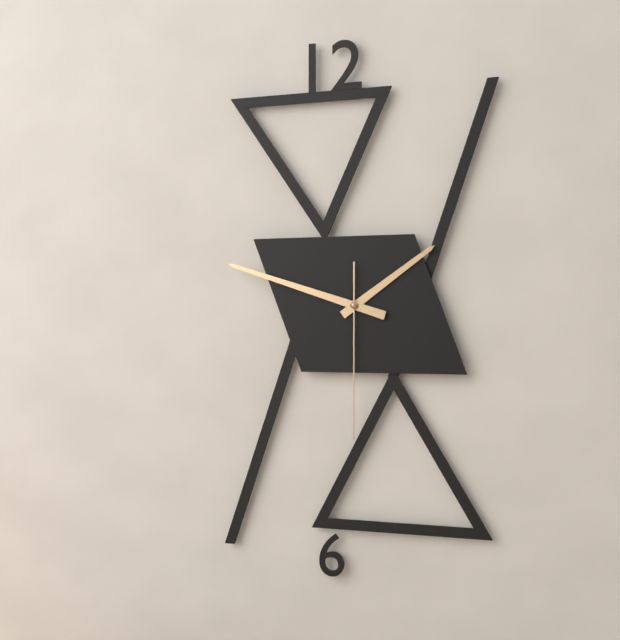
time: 1:48:30
